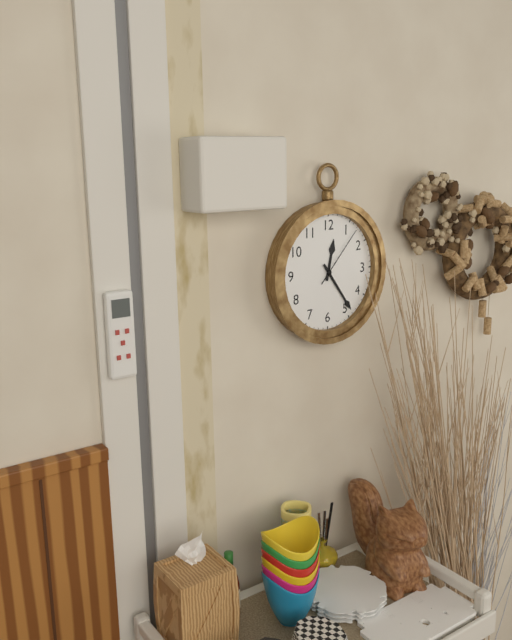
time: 12:24:07
